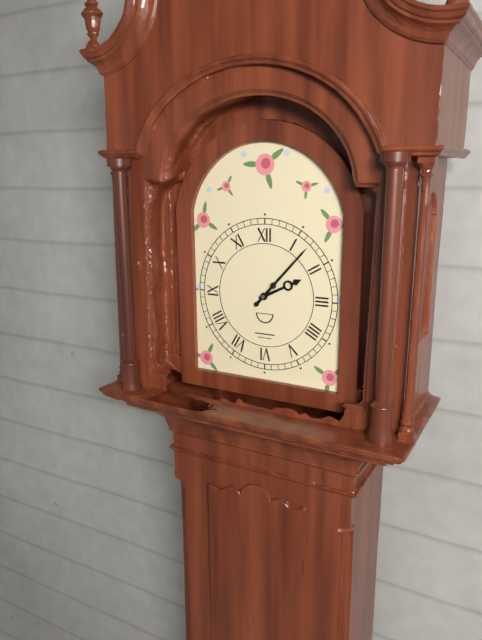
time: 2:07
